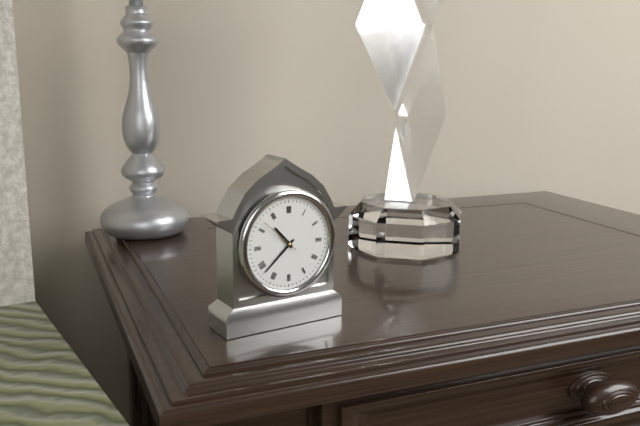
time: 10:38
